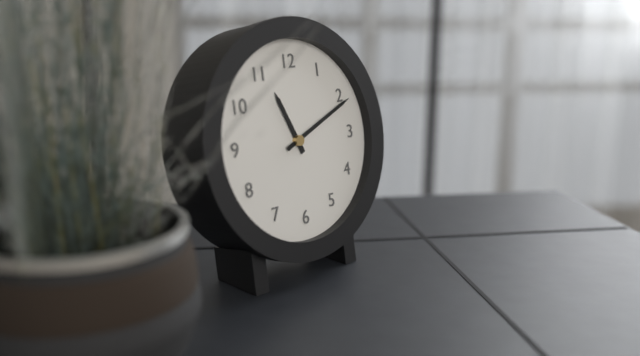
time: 11:11
